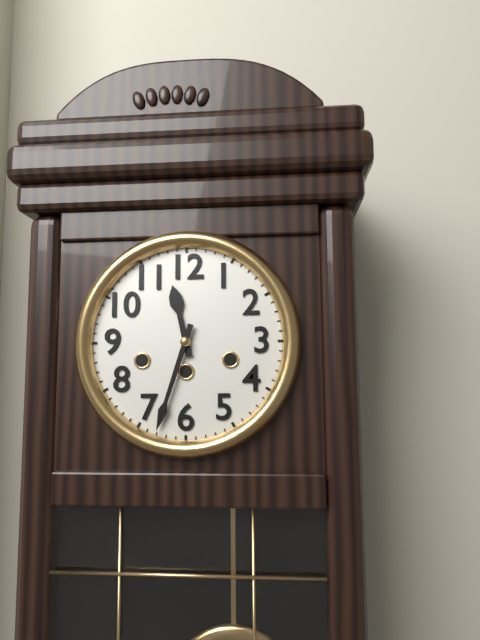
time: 11:33
